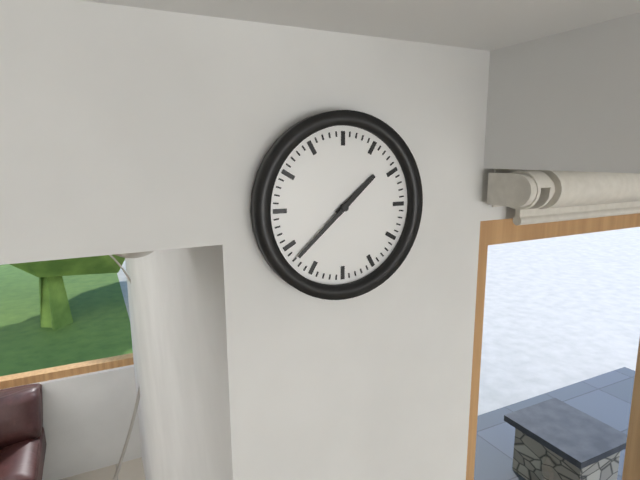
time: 1:38
